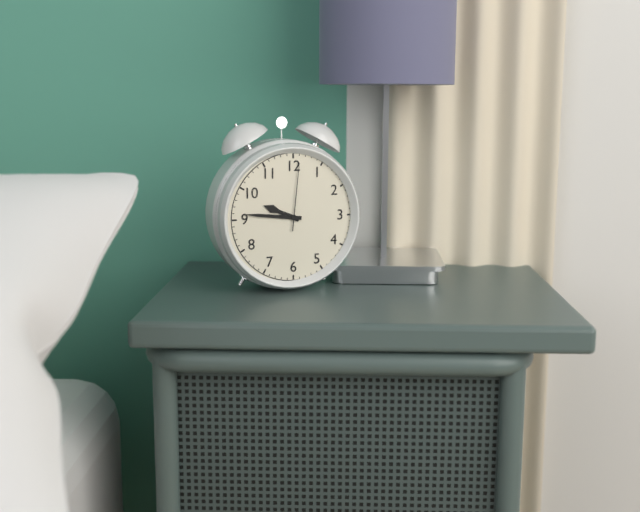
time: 9:46:01
